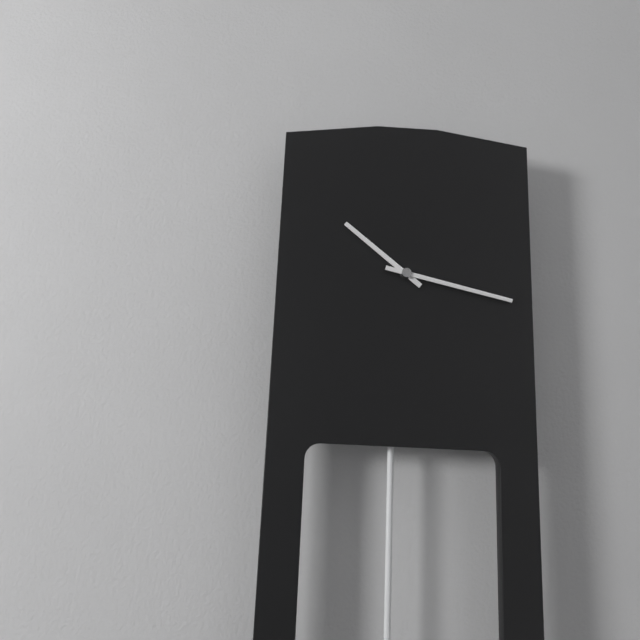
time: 10:17
